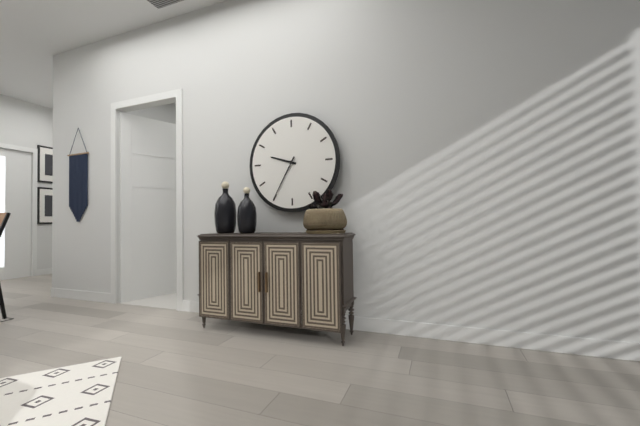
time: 9:35
